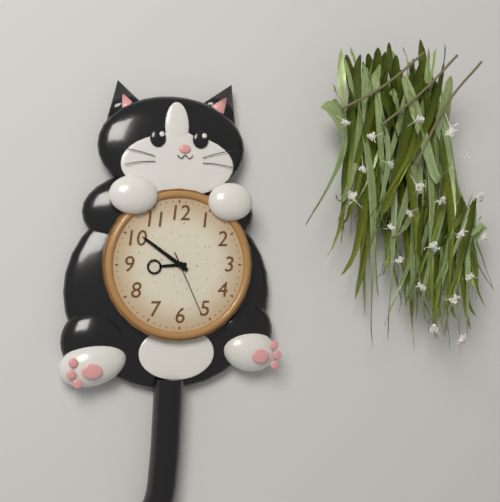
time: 8:51:26
